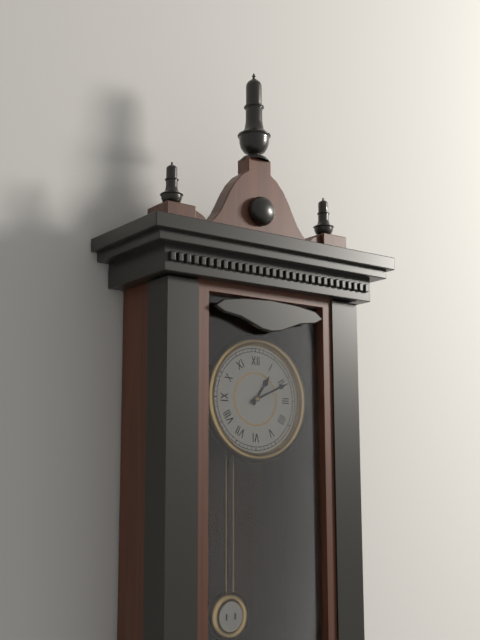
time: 1:11
